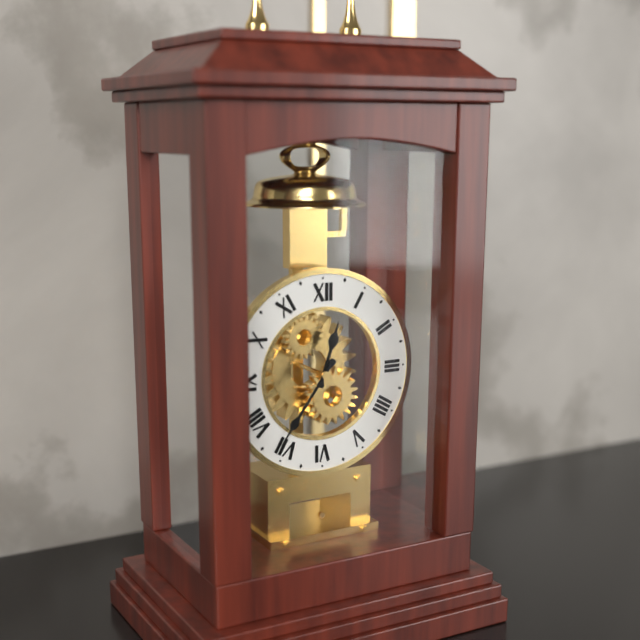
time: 12:36
